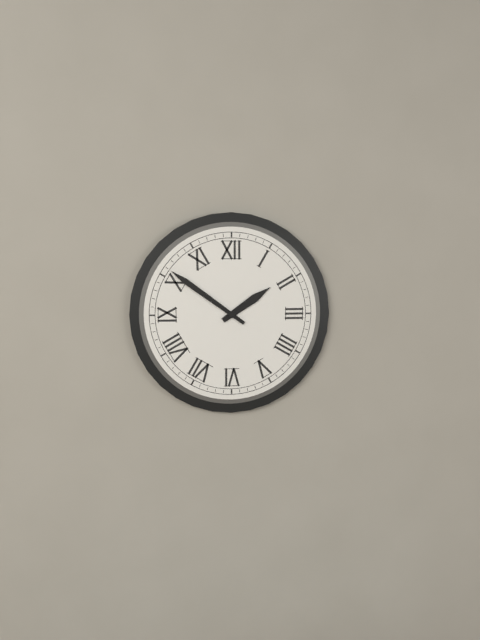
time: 1:51
